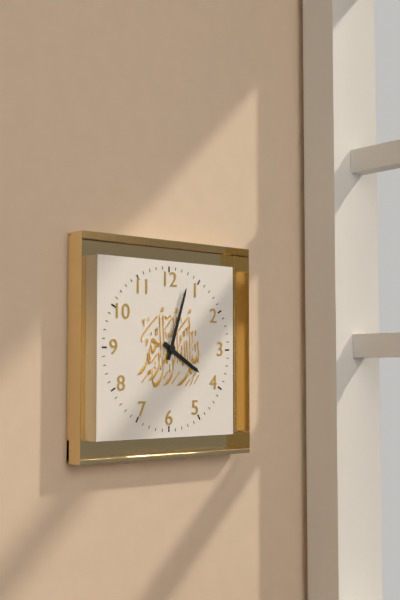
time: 4:03
